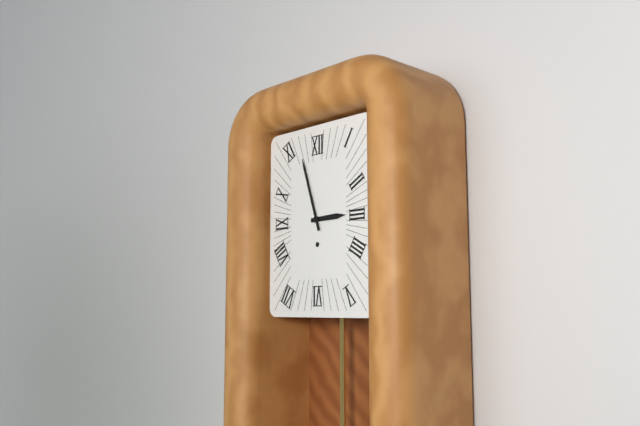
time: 2:57
